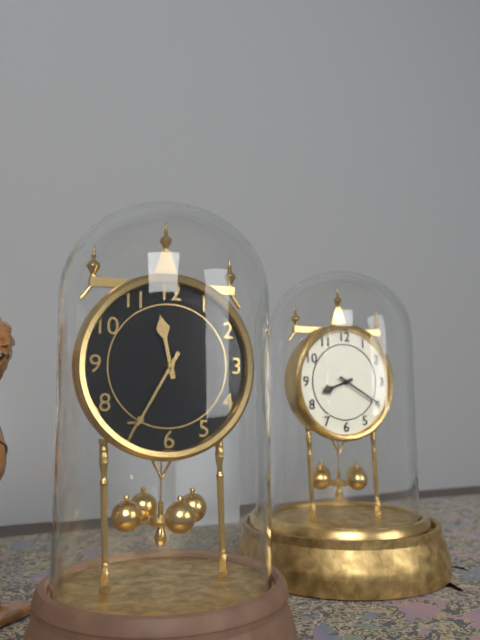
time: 11:35
